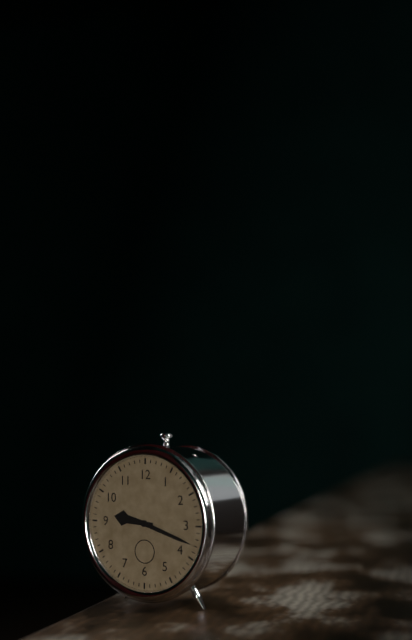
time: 9:18
